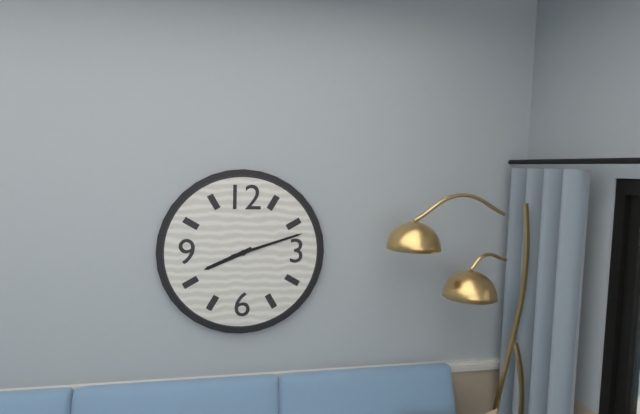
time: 8:12
